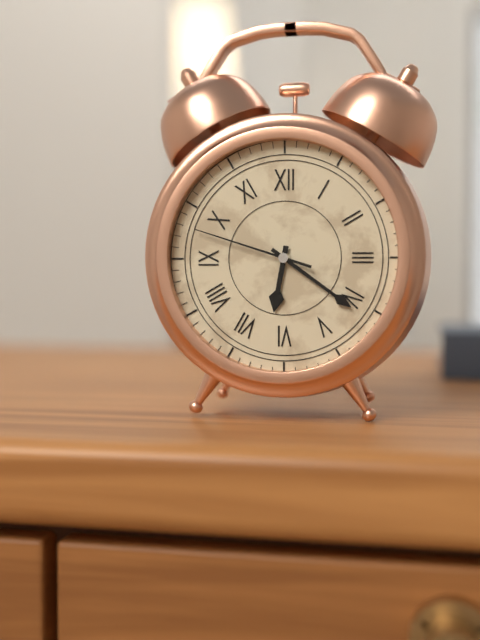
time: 6:21:48
